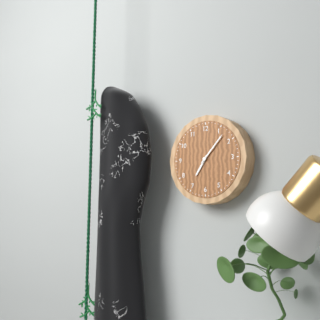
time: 7:07
